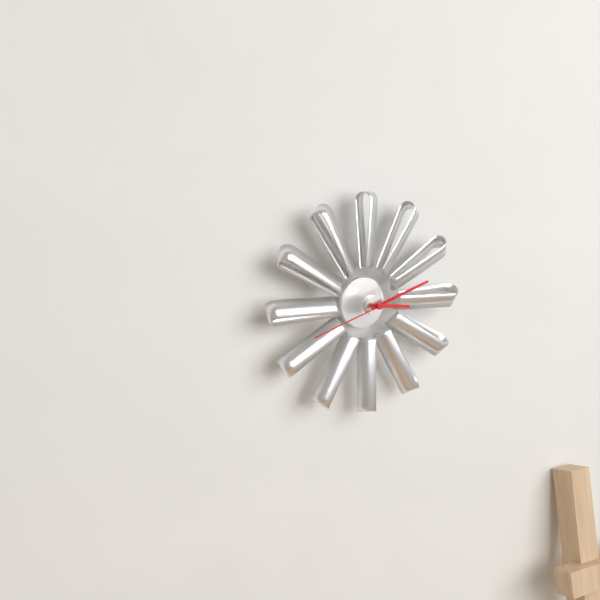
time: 3:12:42
